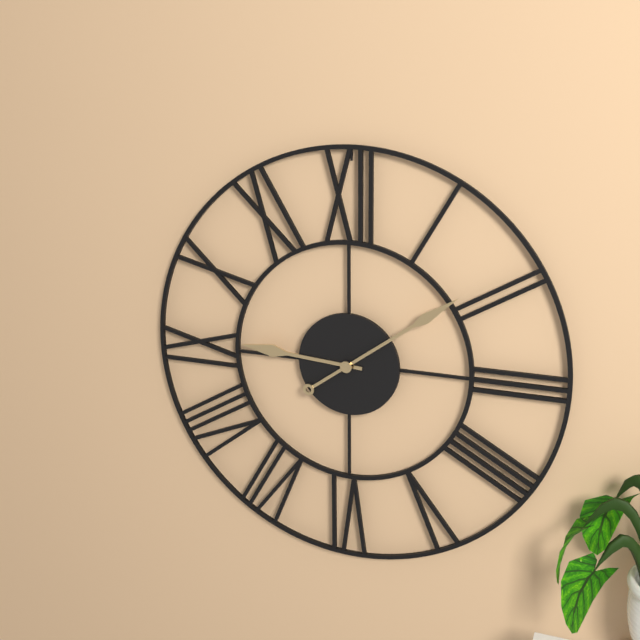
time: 9:09
